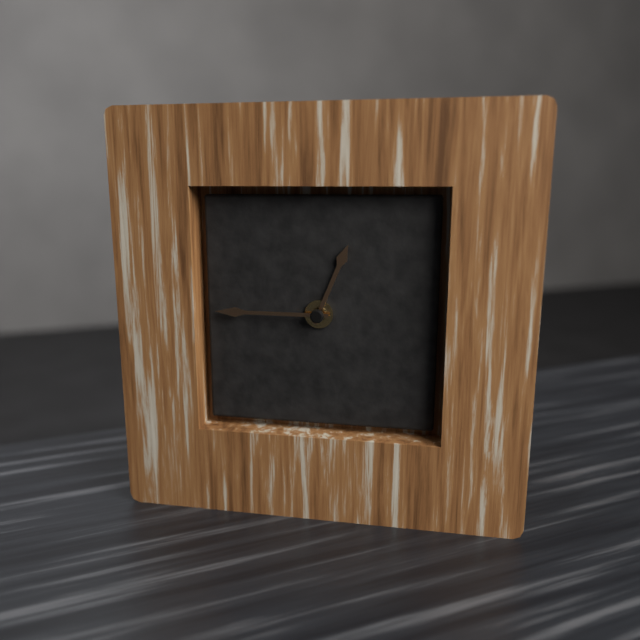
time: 12:45
